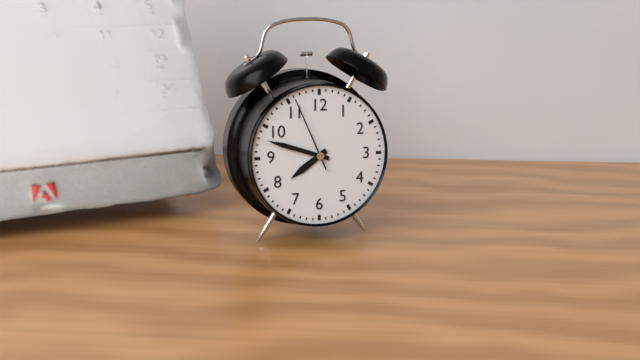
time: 7:48:56
